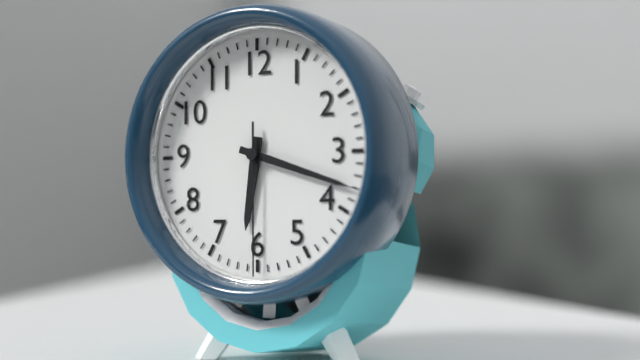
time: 6:18:30
